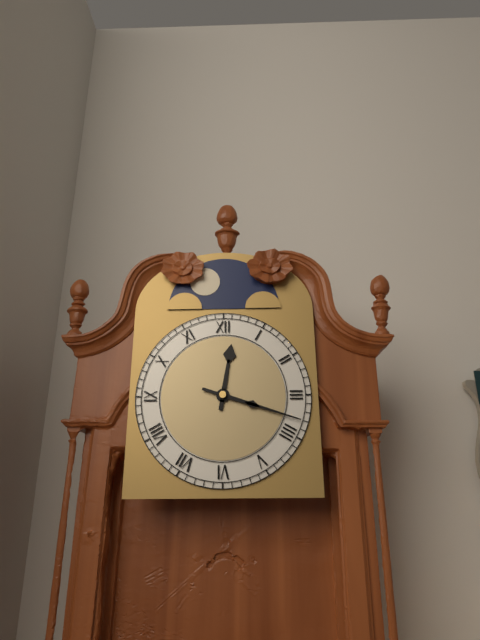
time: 12:18
